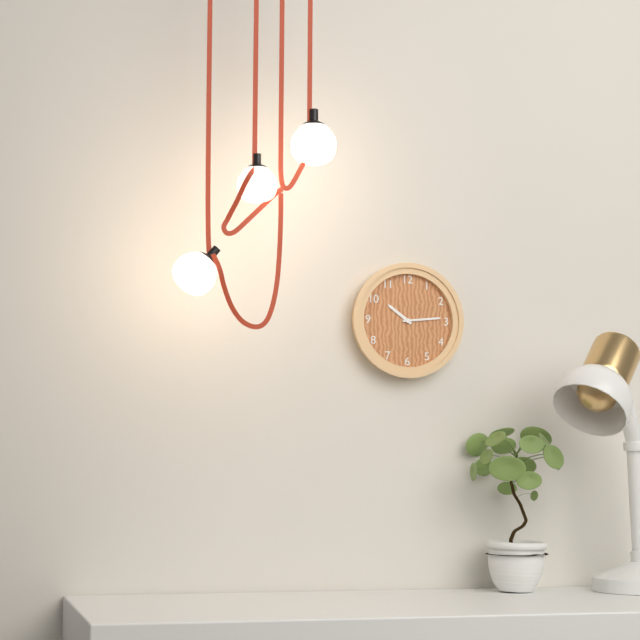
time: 10:14
